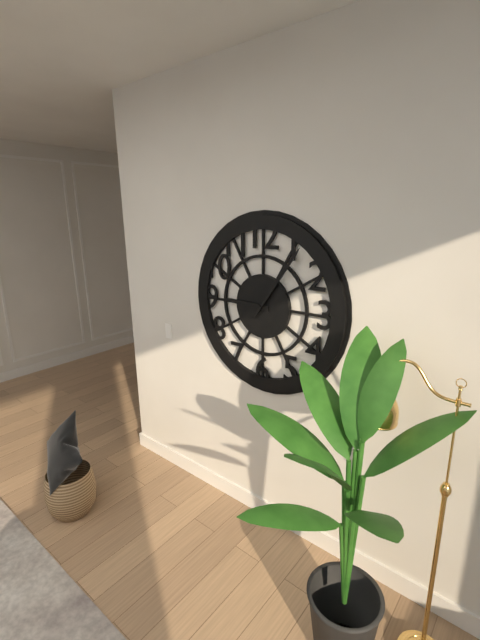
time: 9:06
